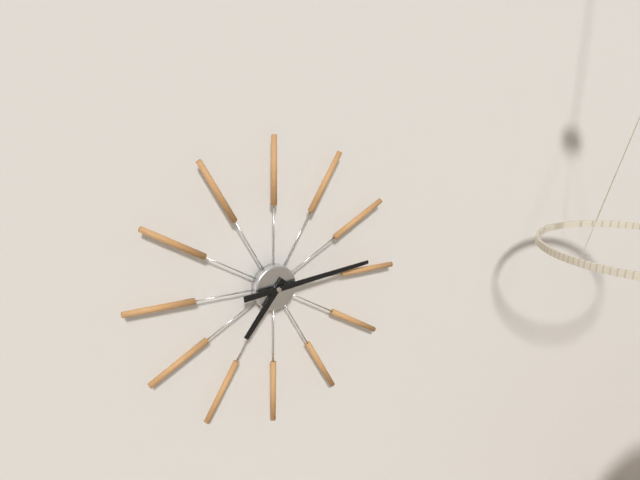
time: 7:14
